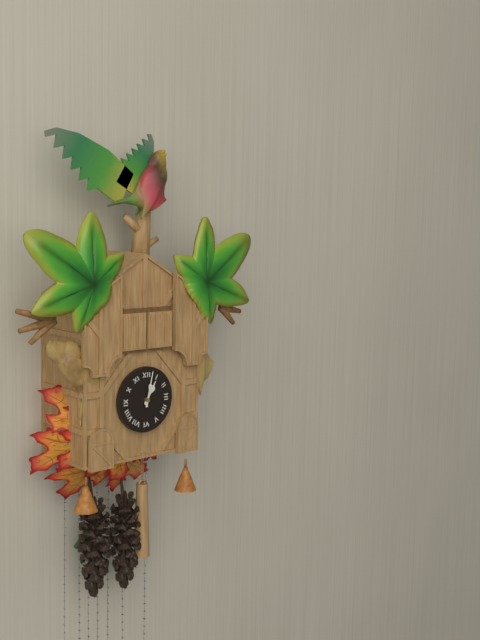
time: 1:02
